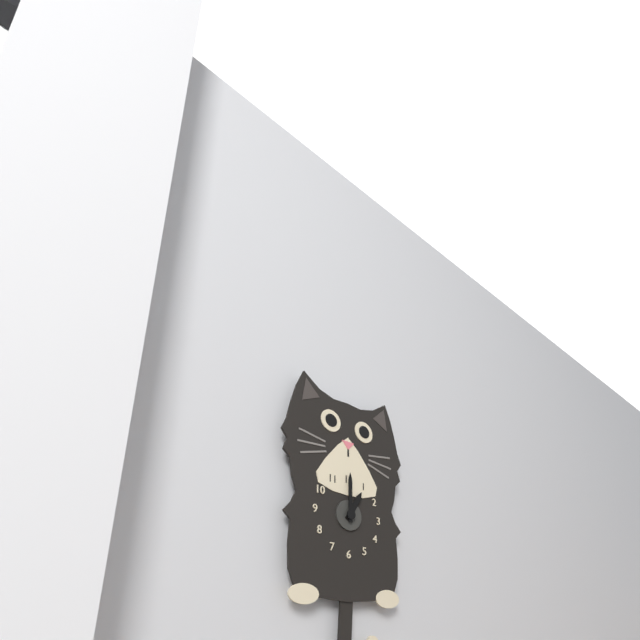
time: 1:00
